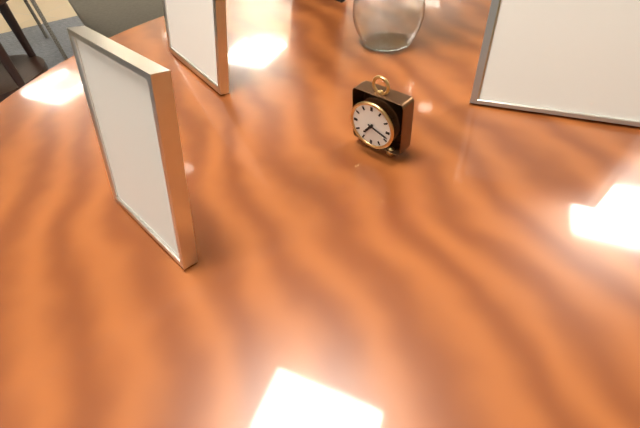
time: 7:18
